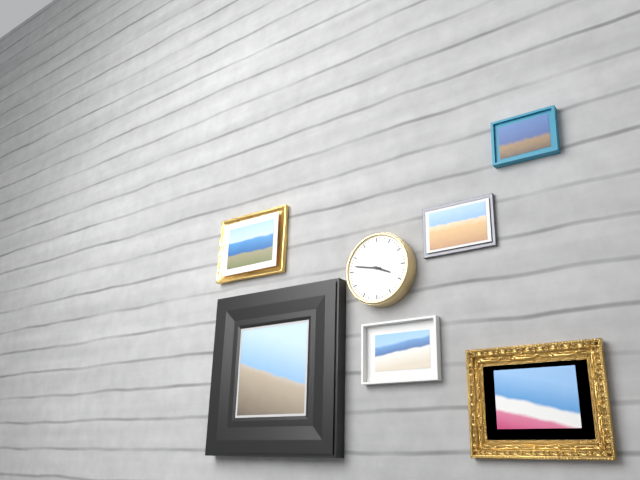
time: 3:47
